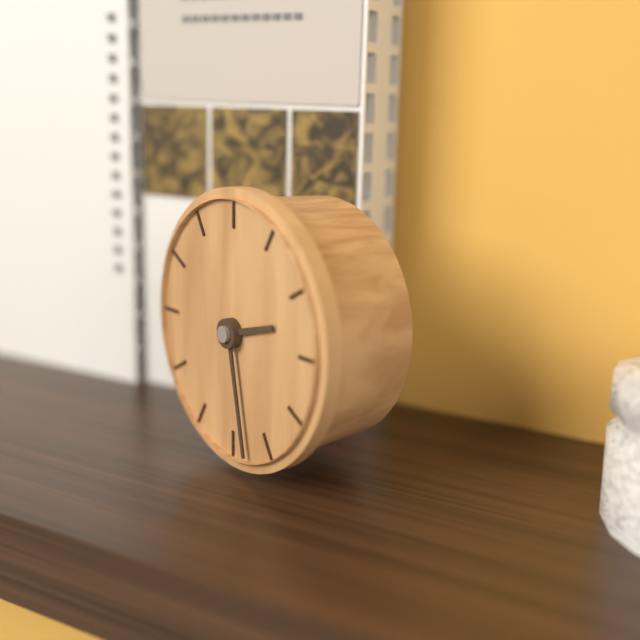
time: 2:28
